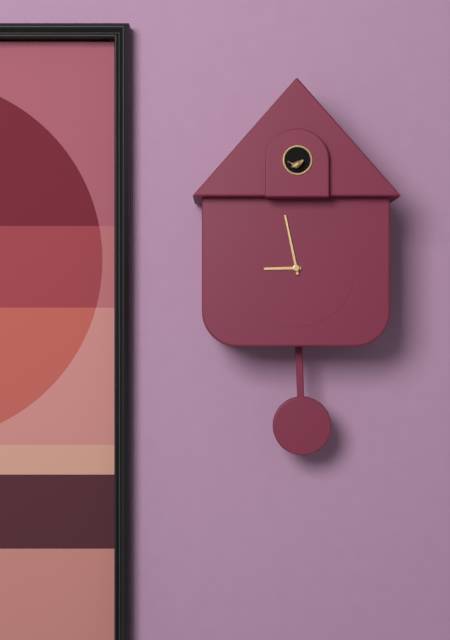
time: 8:58
